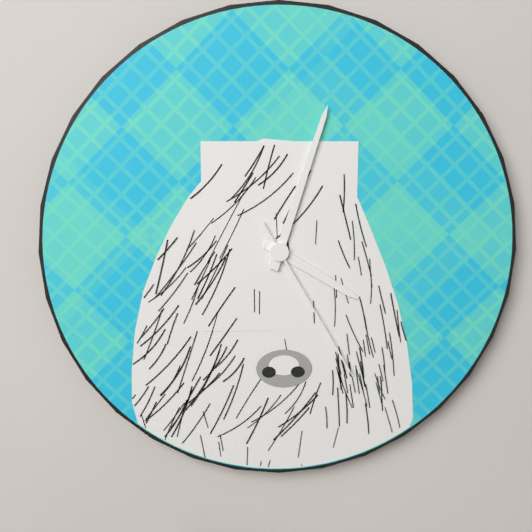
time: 4:03:25
